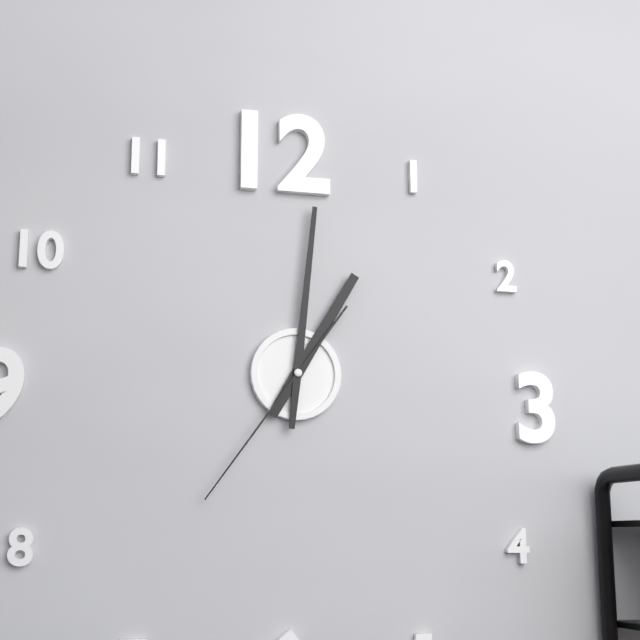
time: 1:01:36
